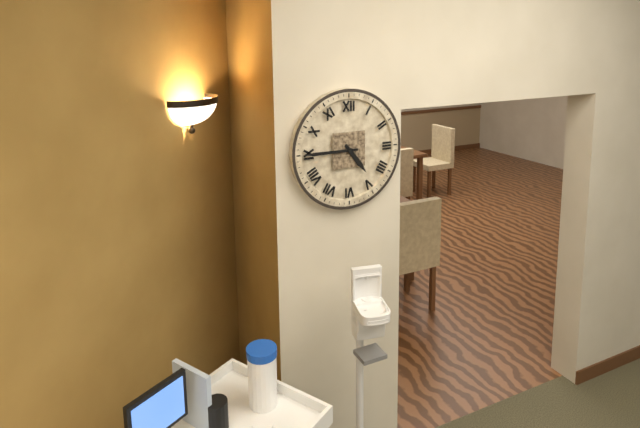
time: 4:45
